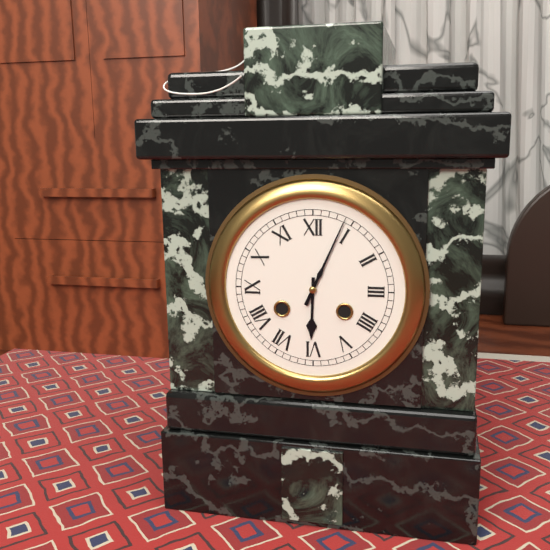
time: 6:04
